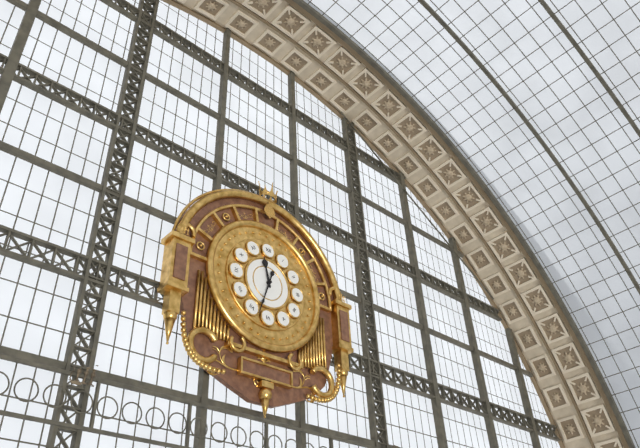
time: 11:33
